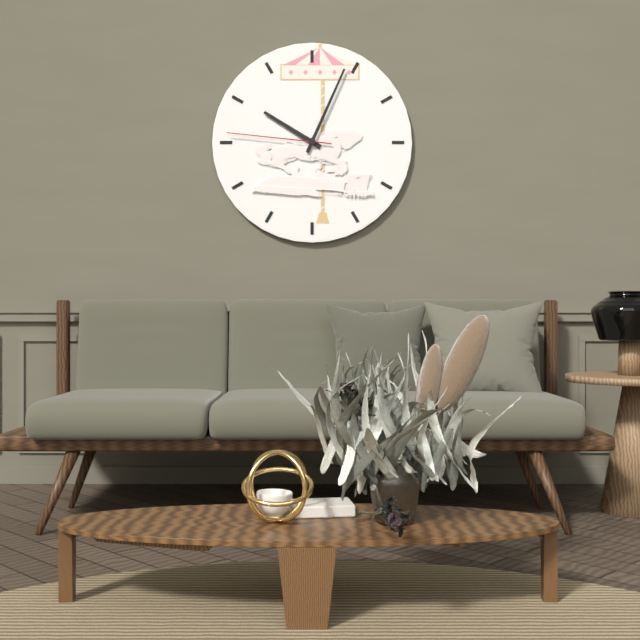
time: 10:04:46
